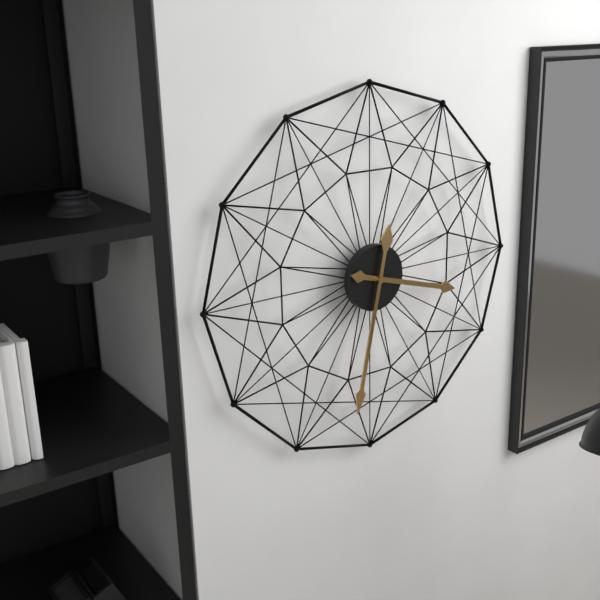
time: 3:32
